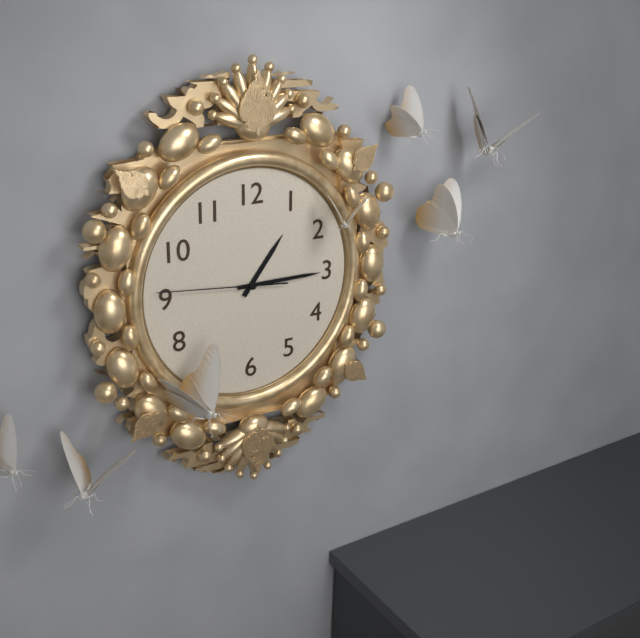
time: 1:15:46
